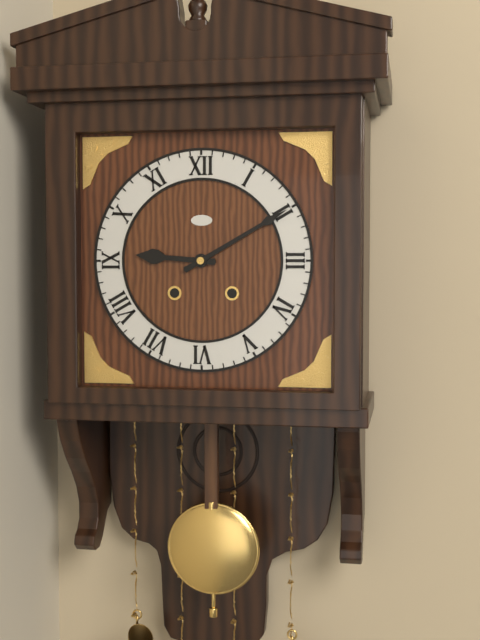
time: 9:10
